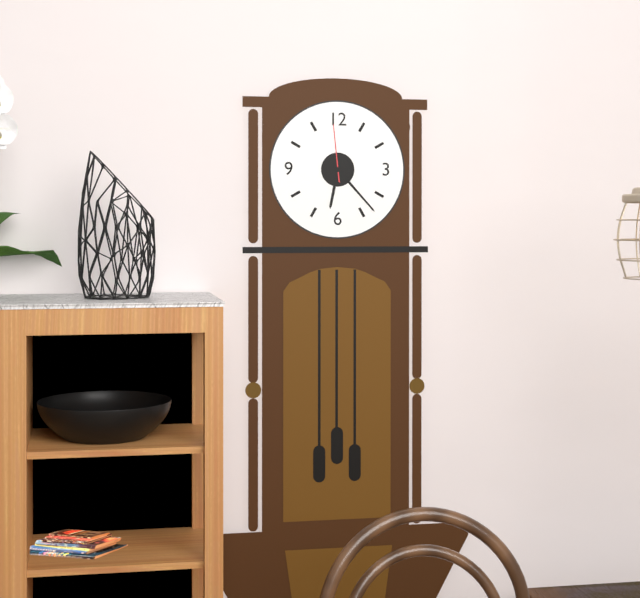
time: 6:23:59
